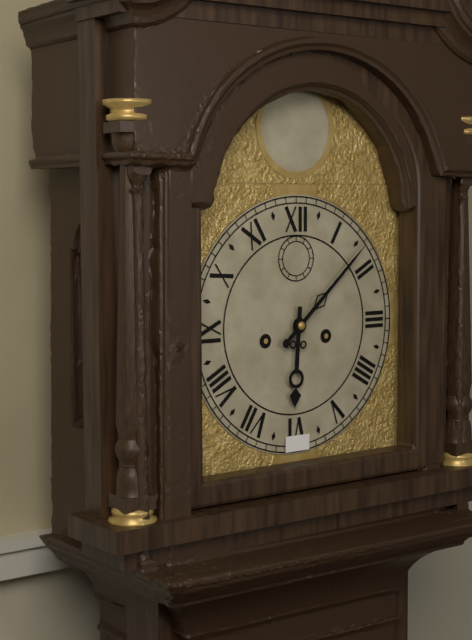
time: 6:08
